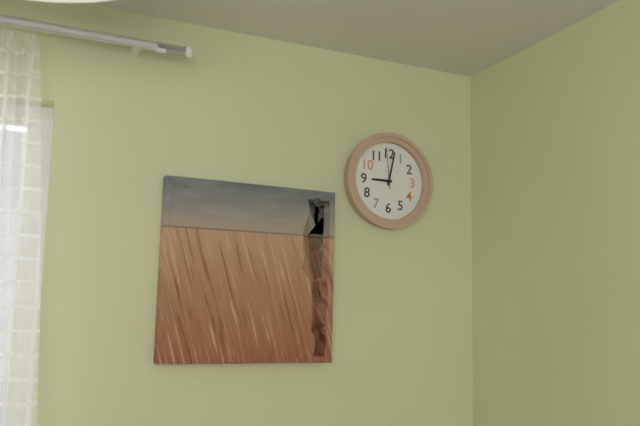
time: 9:02
